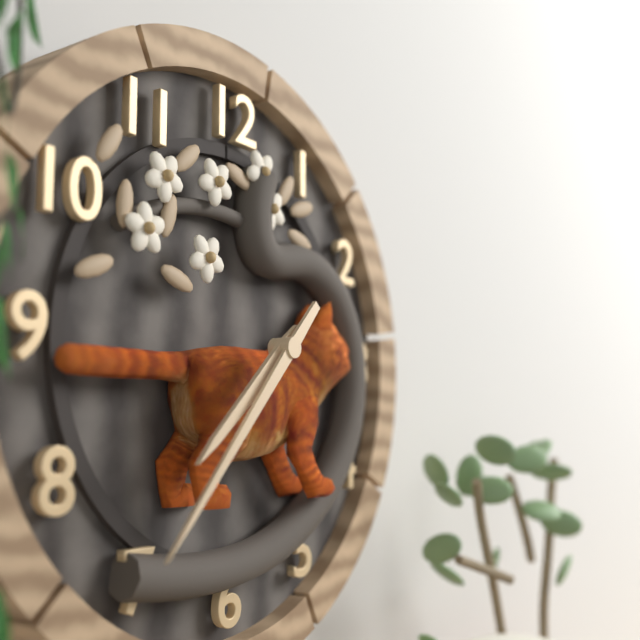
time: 7:37
